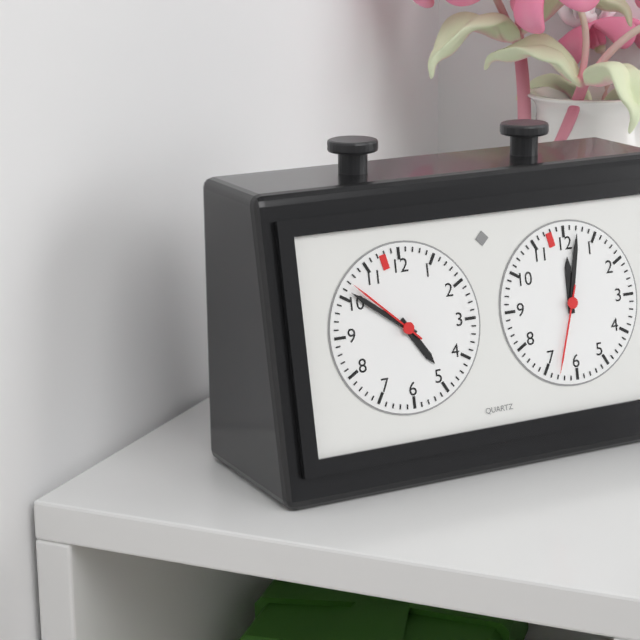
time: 4:51:52
